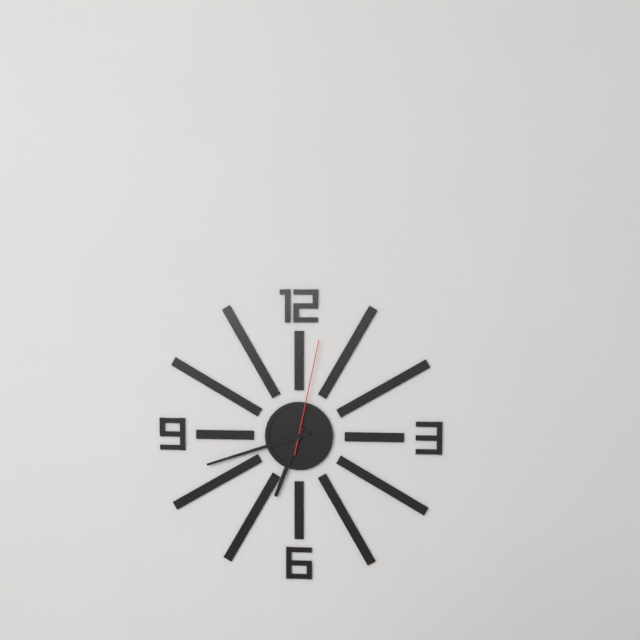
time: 6:42:02
